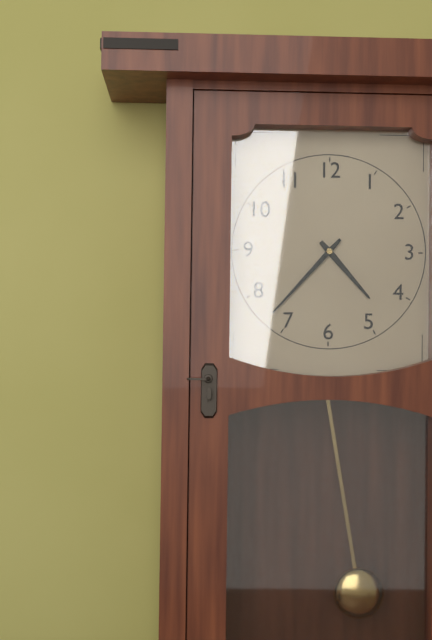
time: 4:37
